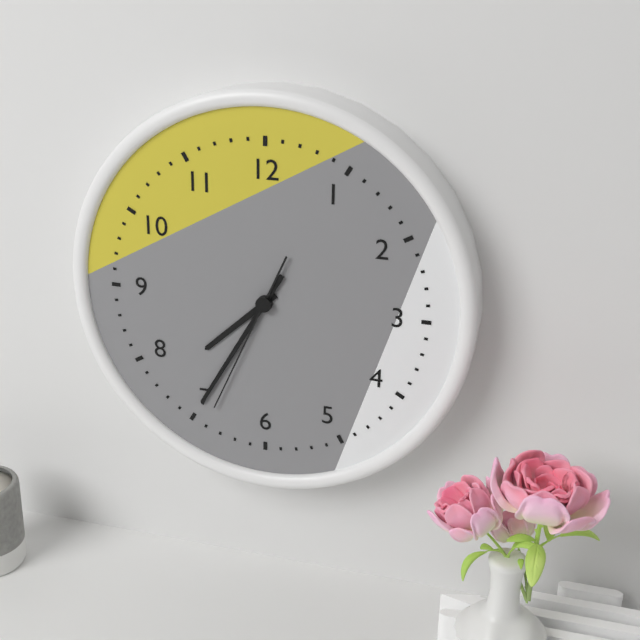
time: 7:35:34
